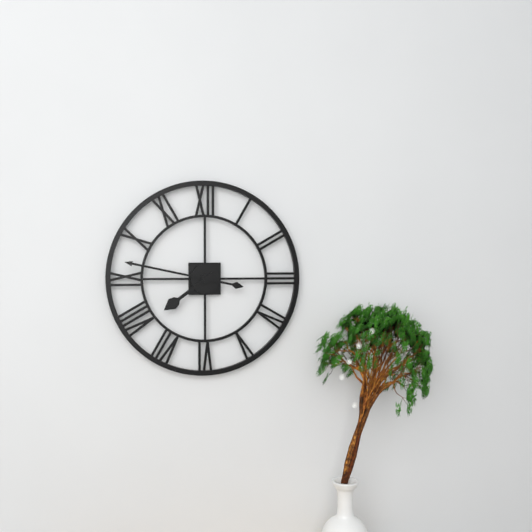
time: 7:47
